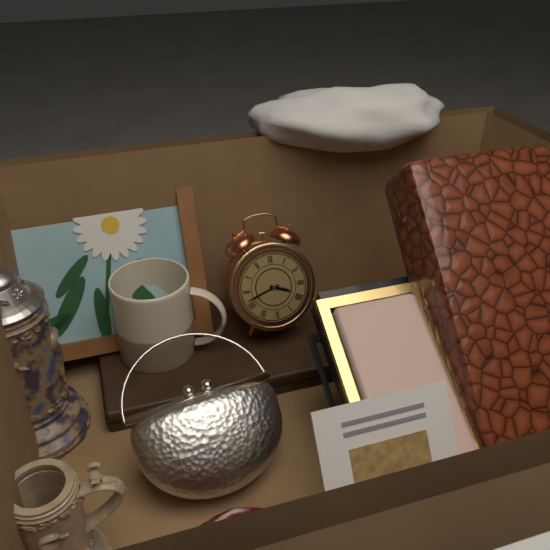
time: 3:42
